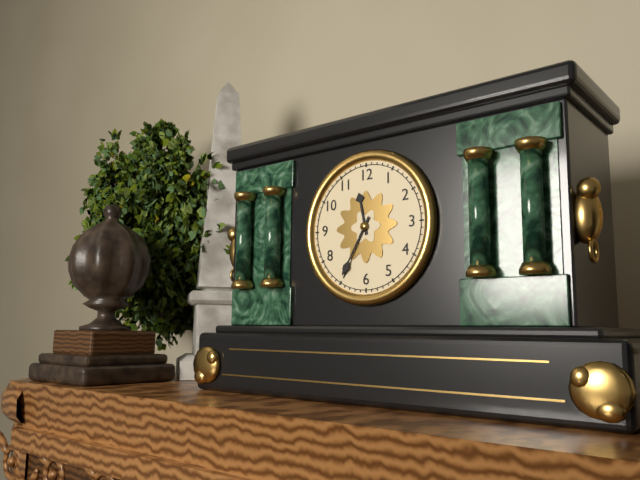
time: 11:35
